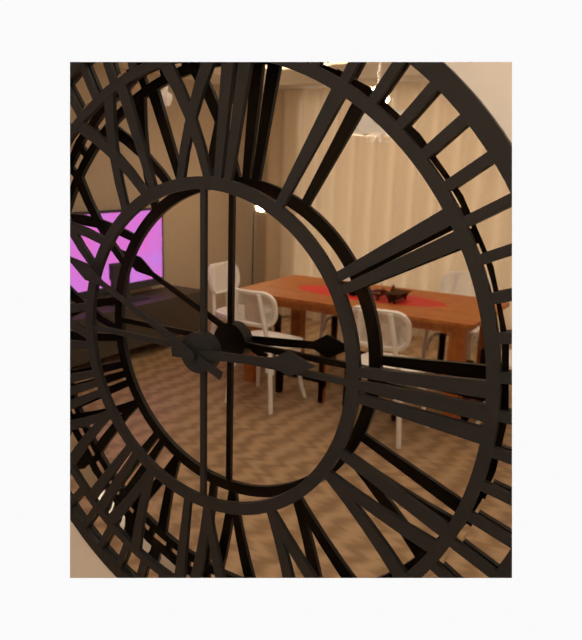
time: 2:49
